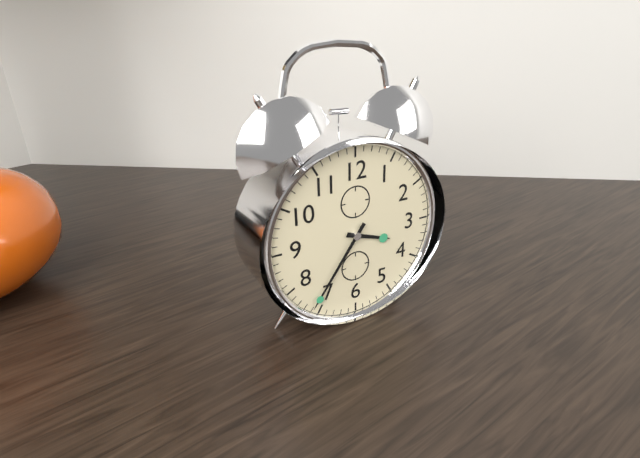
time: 3:36
